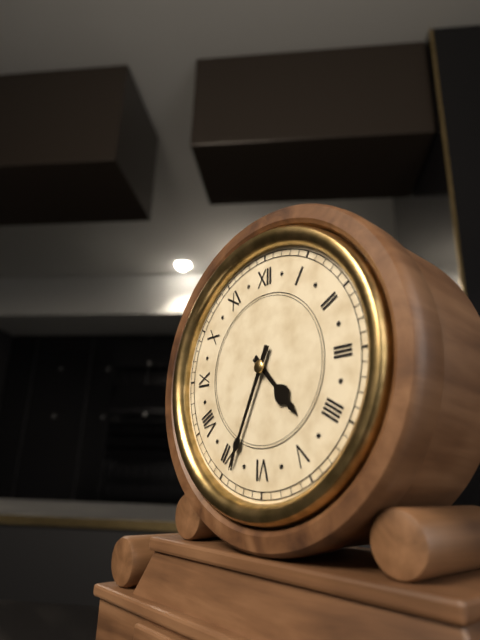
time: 4:34
